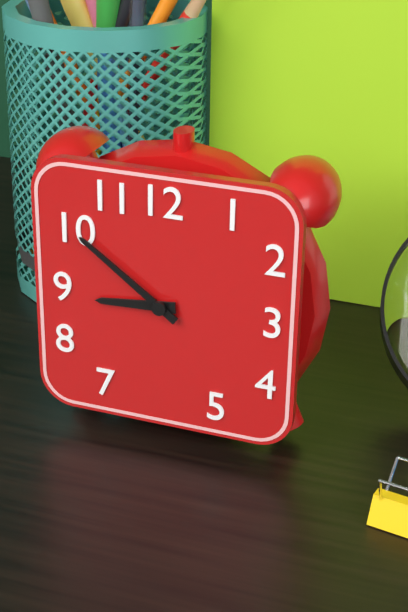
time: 8:51
